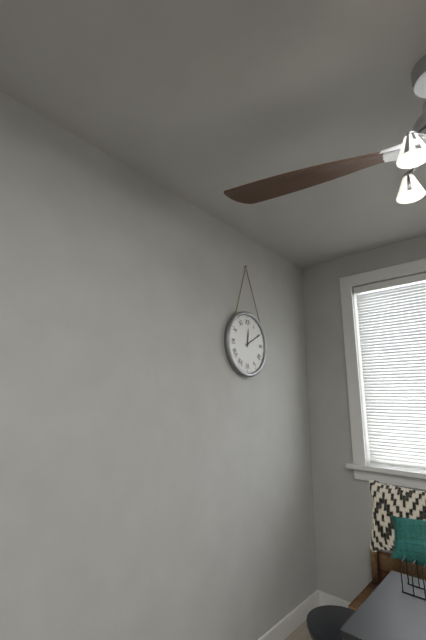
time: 12:10
